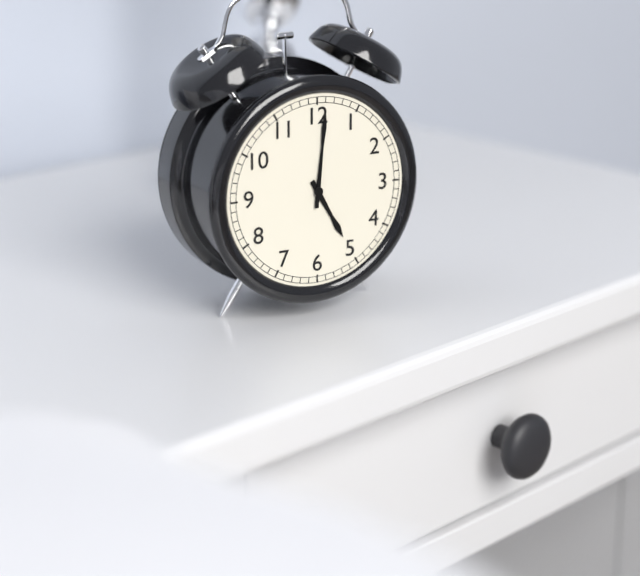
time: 5:01
